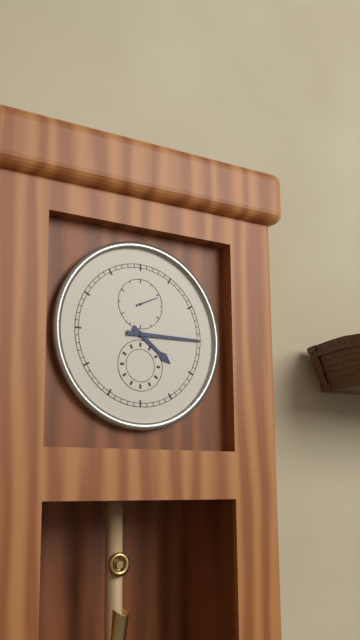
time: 4:15
